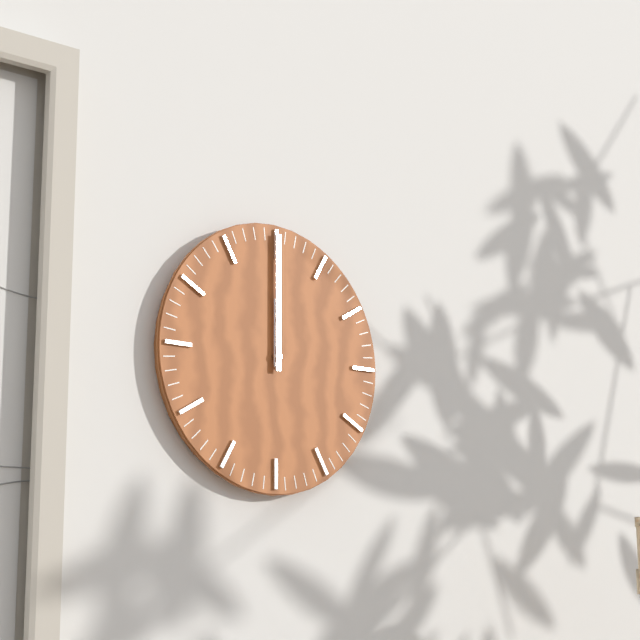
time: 12:00
